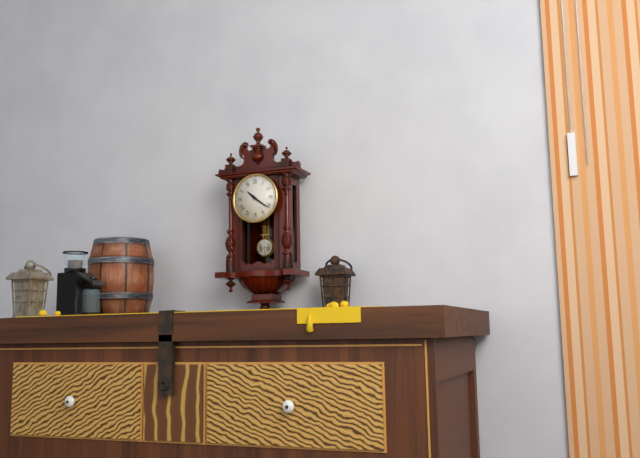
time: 10:21
